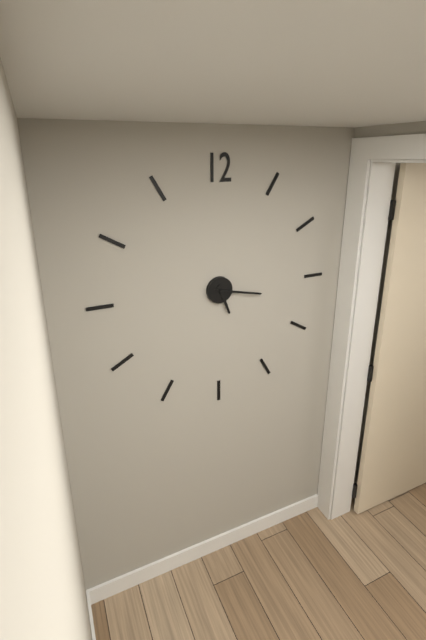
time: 5:17
